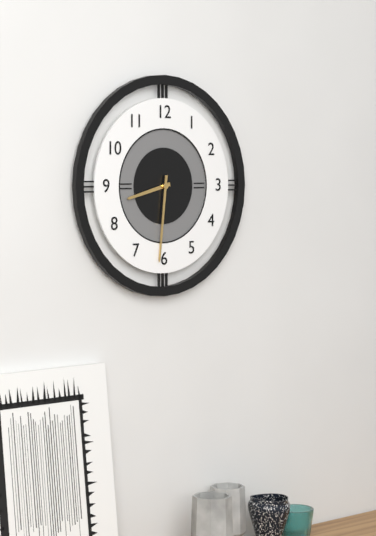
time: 8:31
